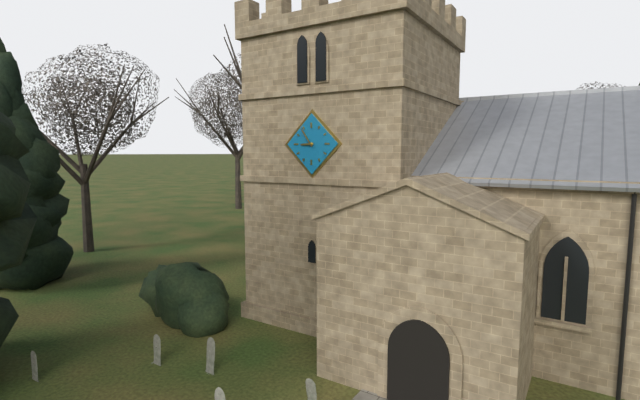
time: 8:54
